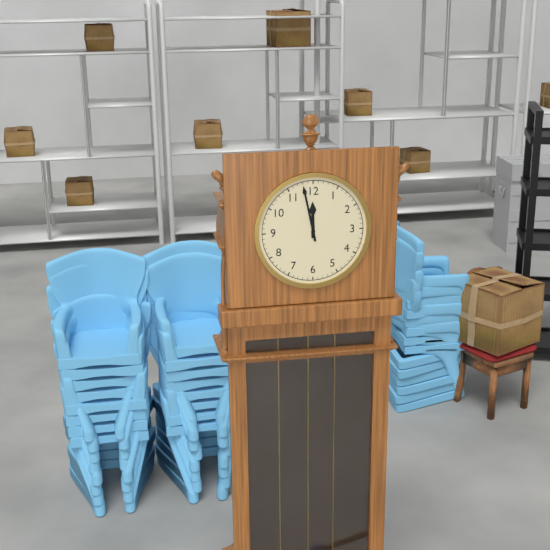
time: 11:58
